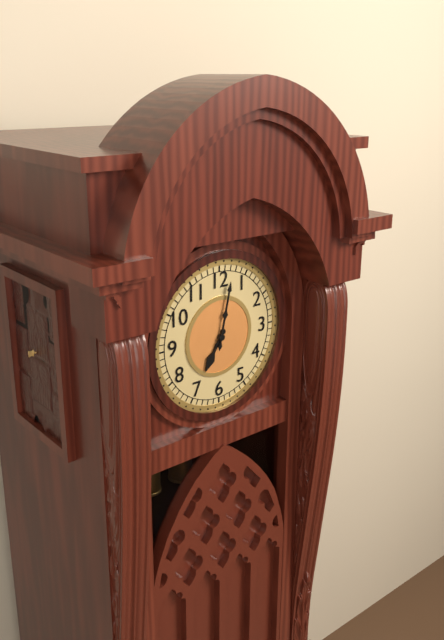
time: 7:02
